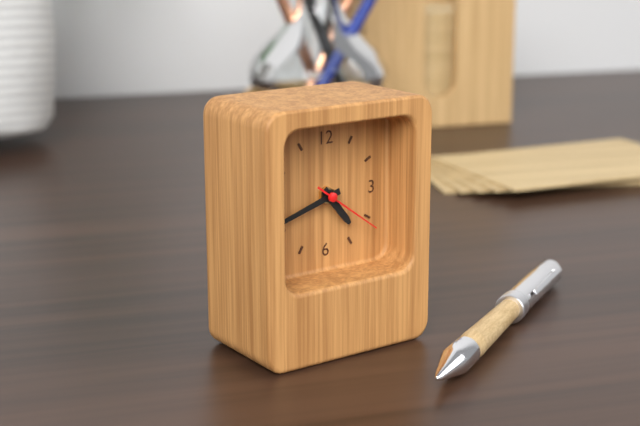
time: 4:42:21
